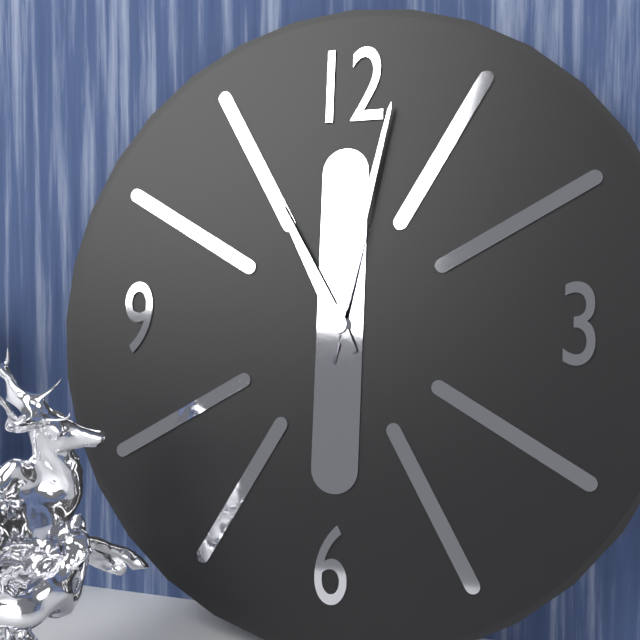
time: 11:02
